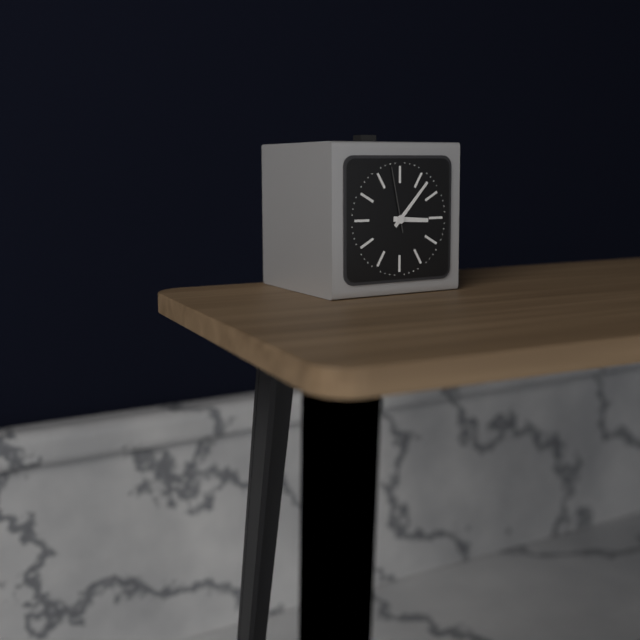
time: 3:07:58
